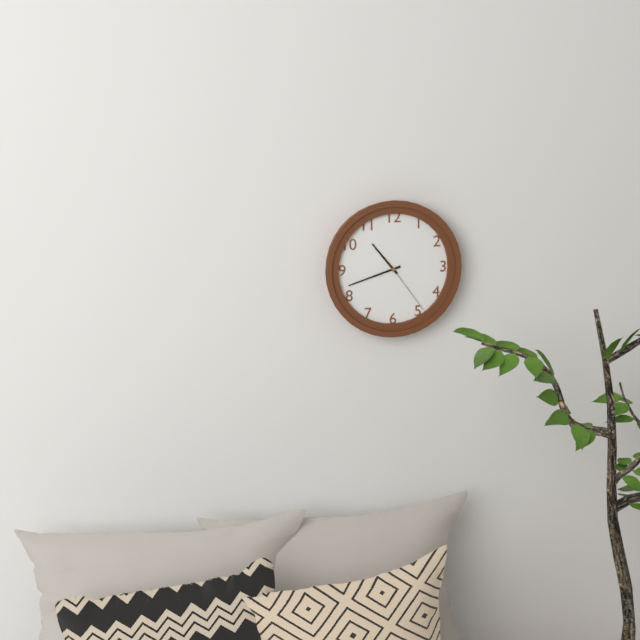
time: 10:42:24
